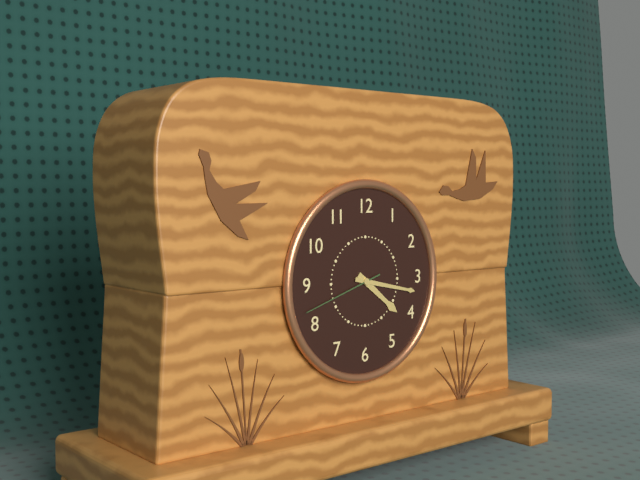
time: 4:17:42
